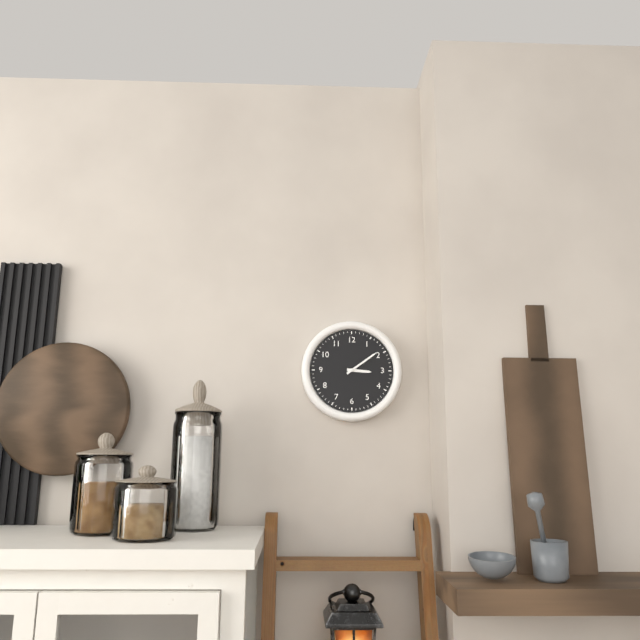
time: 3:09
